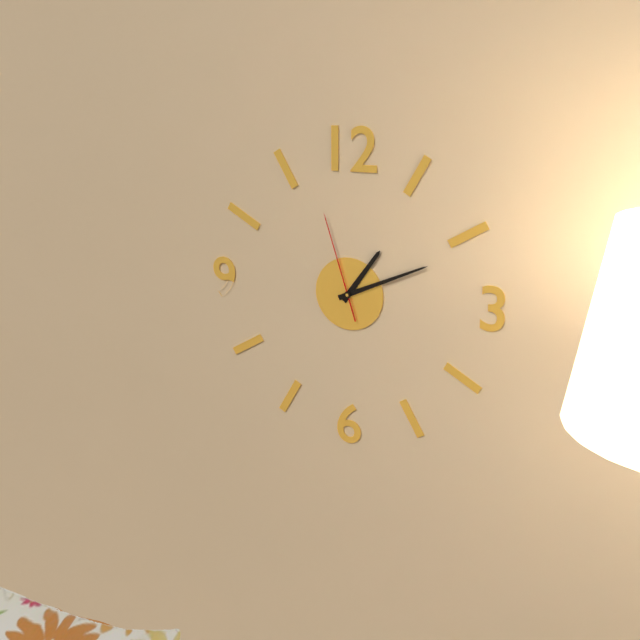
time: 1:11:57
